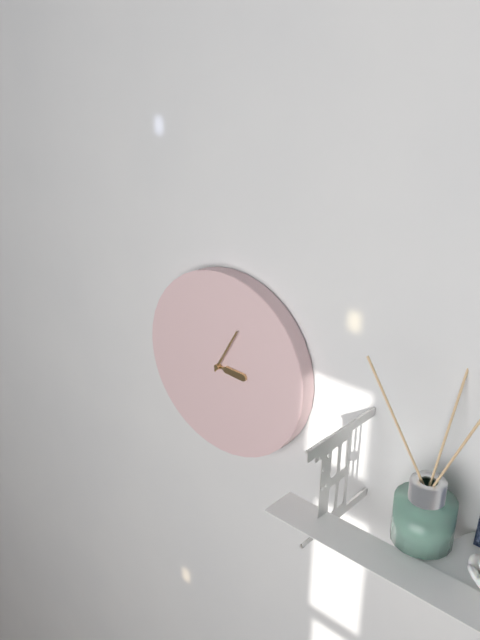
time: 3:05
